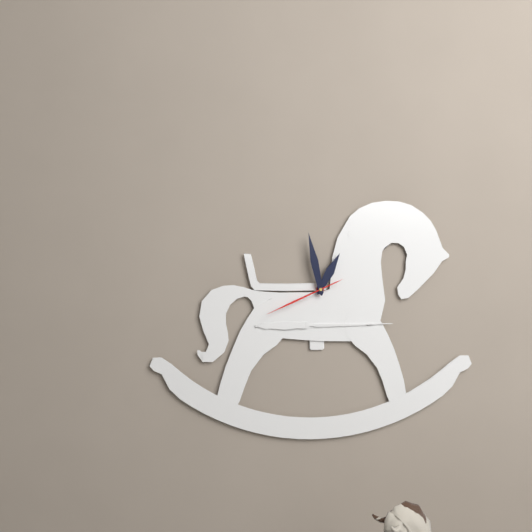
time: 12:58:41
